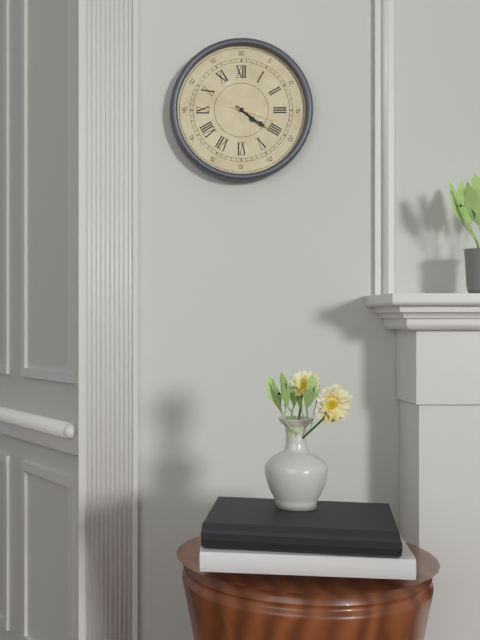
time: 4:21
